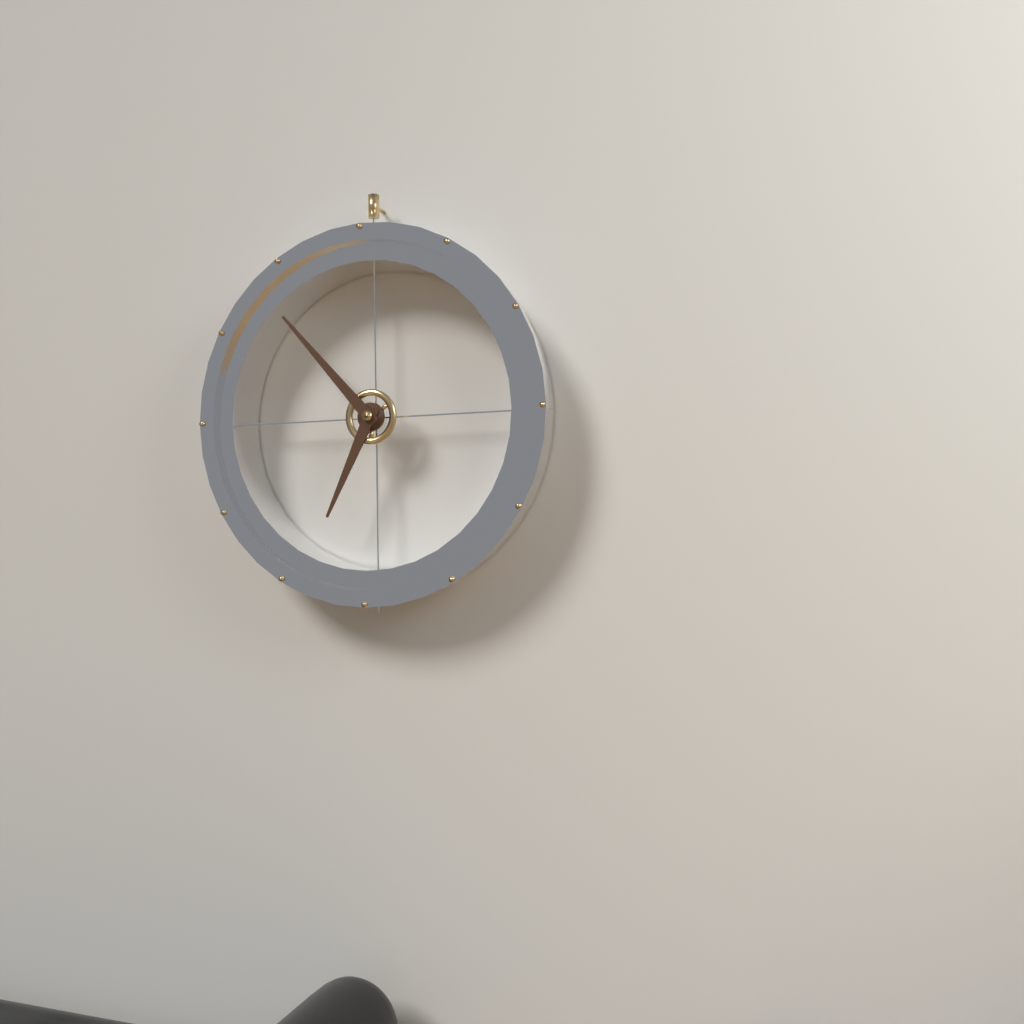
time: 6:53
